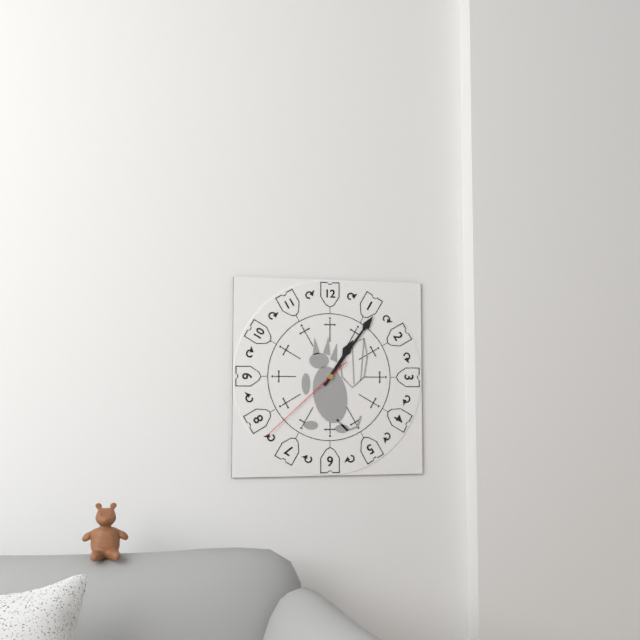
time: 1:06:38
